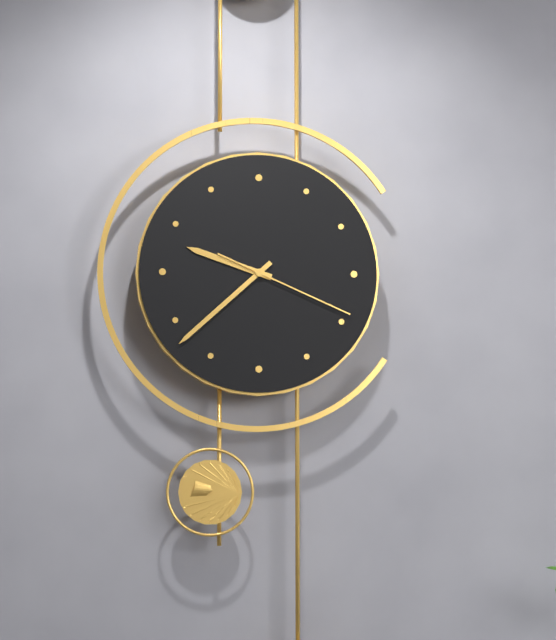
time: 9:38:19
